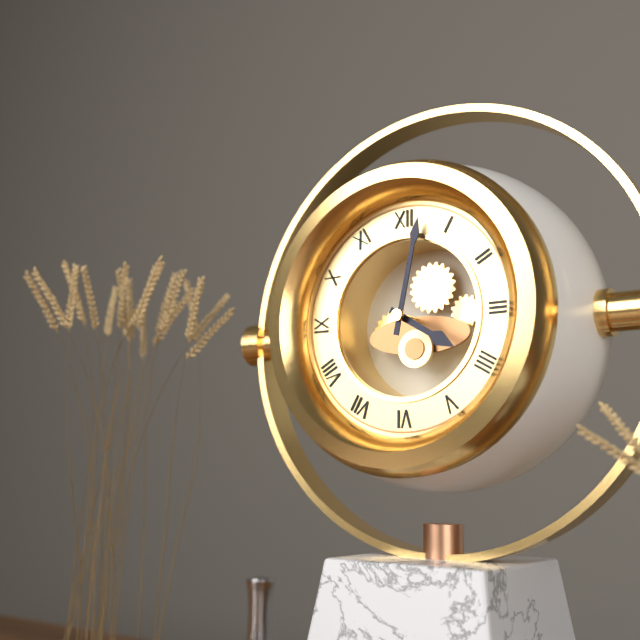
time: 4:02
